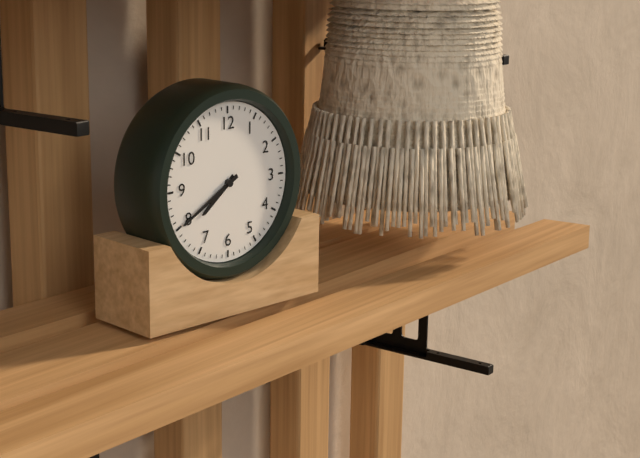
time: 7:40
